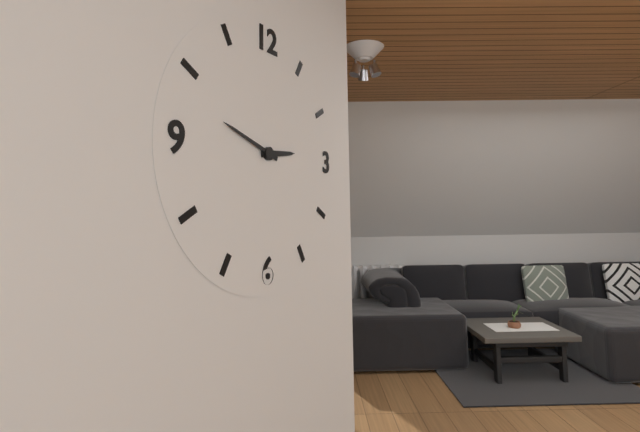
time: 2:48
